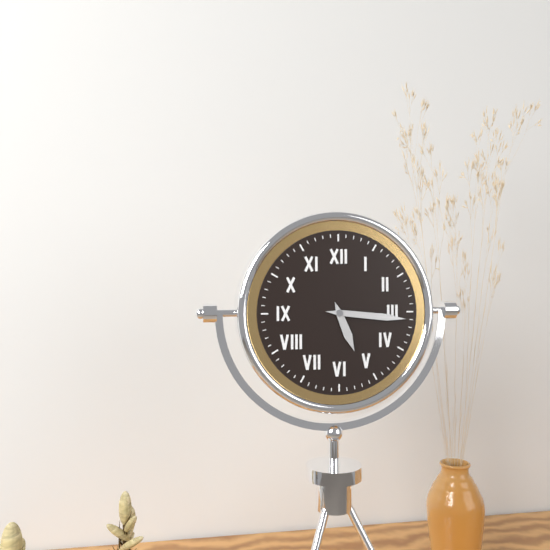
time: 5:16
